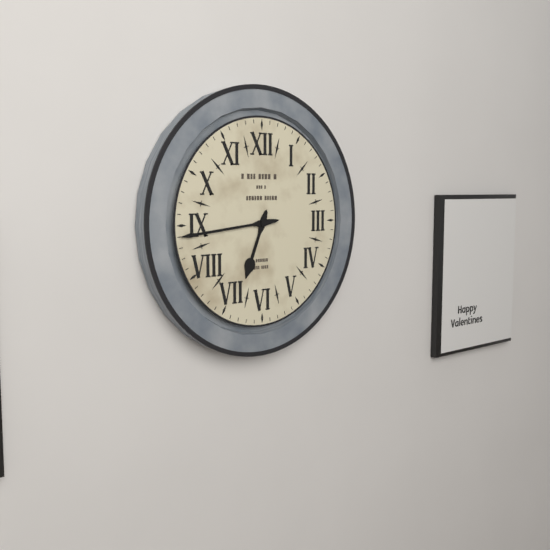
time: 6:44
